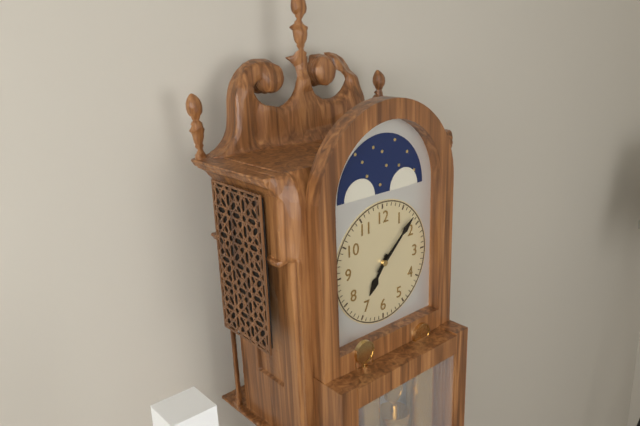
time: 7:08
